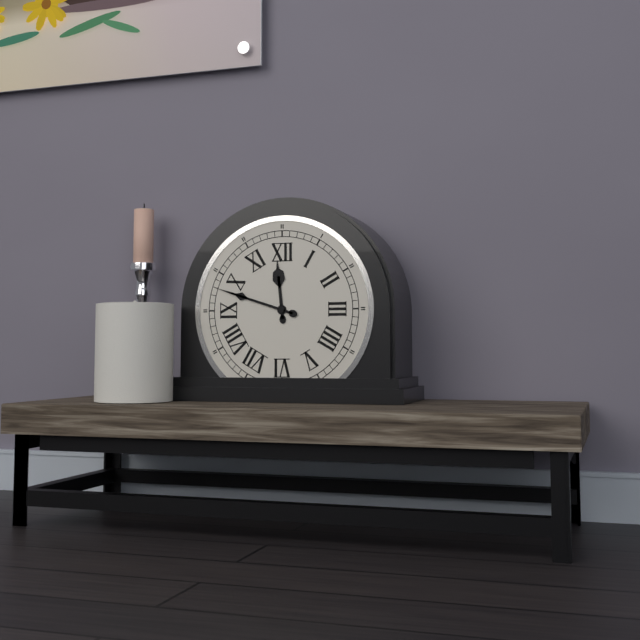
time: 11:48
